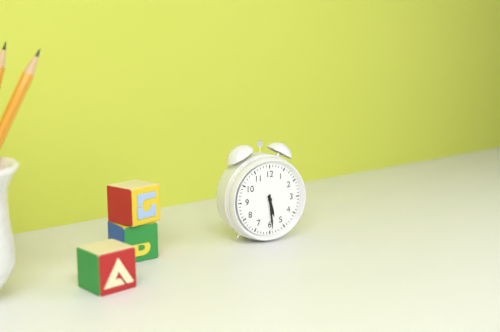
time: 5:29
